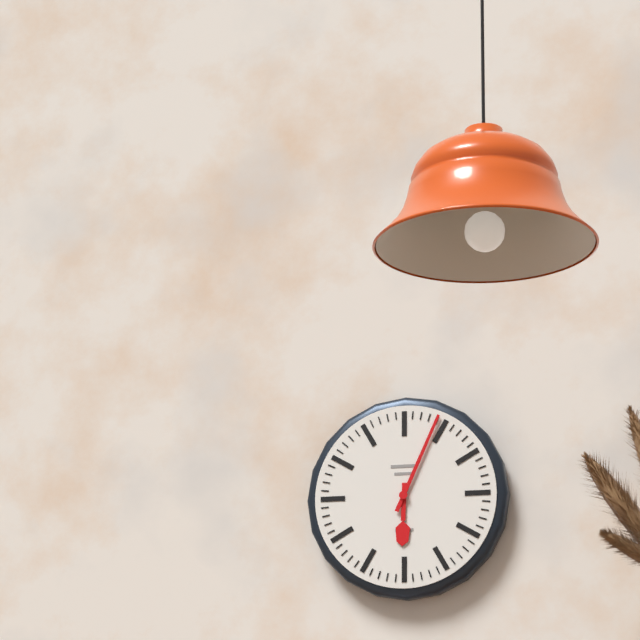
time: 6:04
